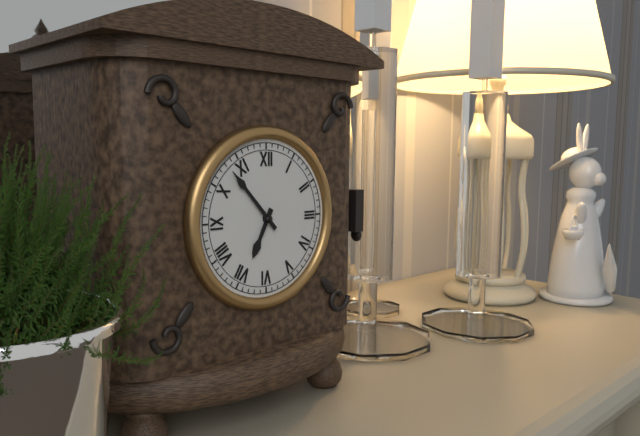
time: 6:53
